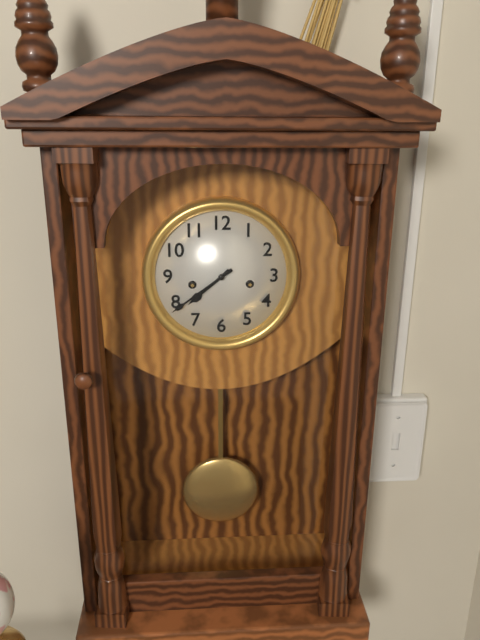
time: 7:39
